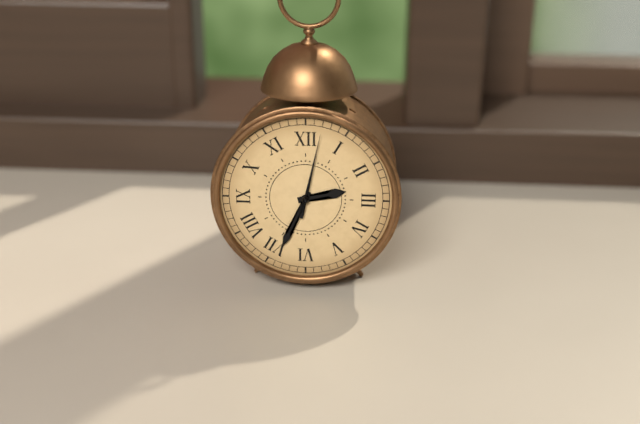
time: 2:34:02
